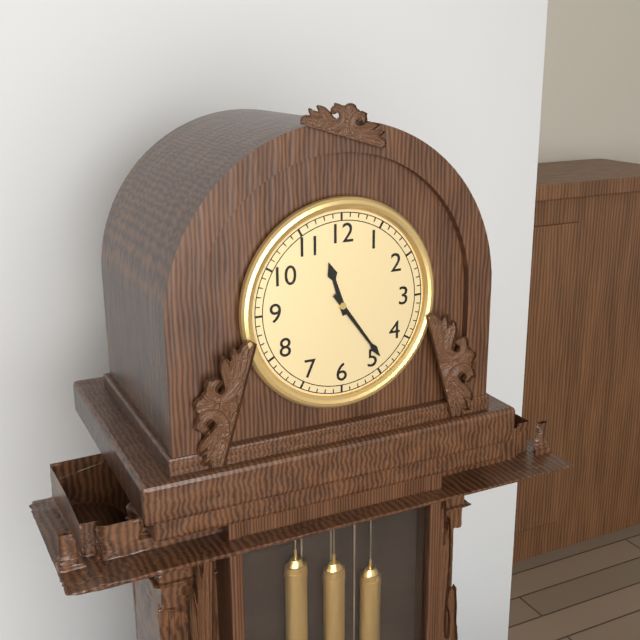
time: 11:24
